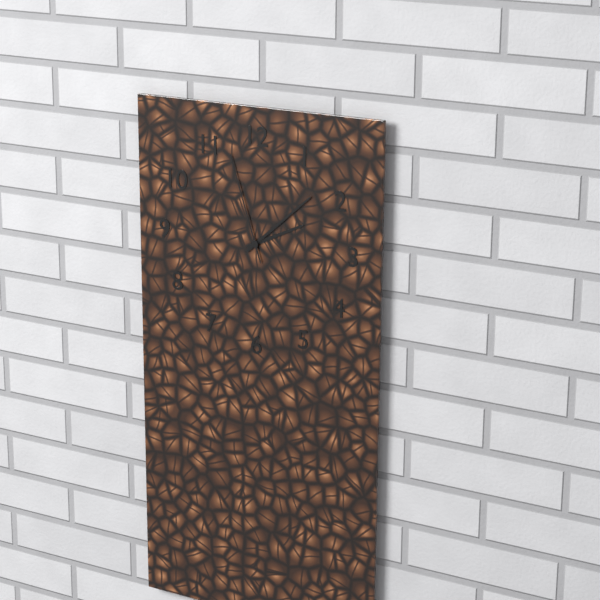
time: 2:08:57
